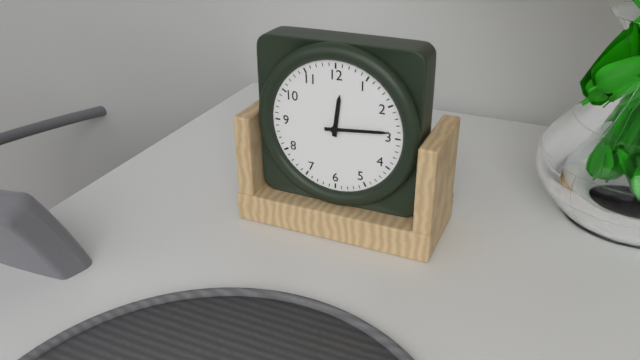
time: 12:14
